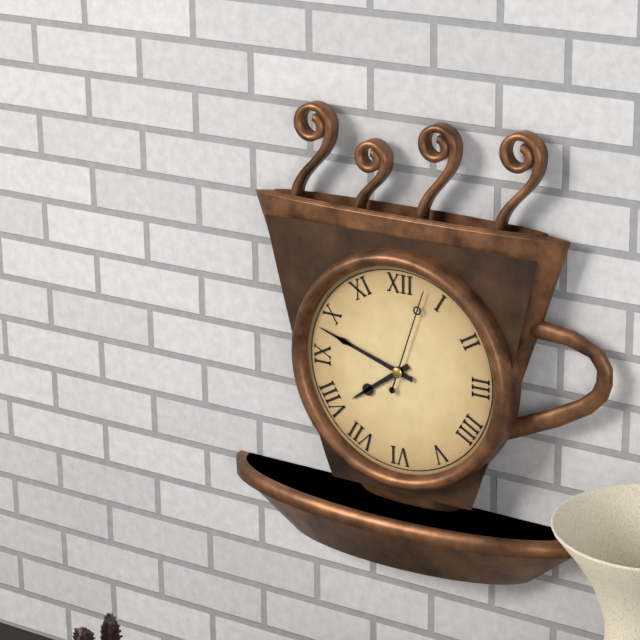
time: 7:48:03
